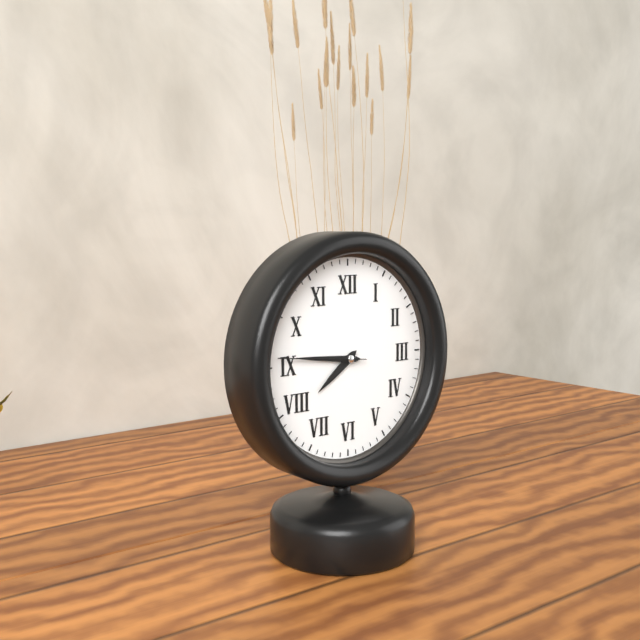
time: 7:46:46
